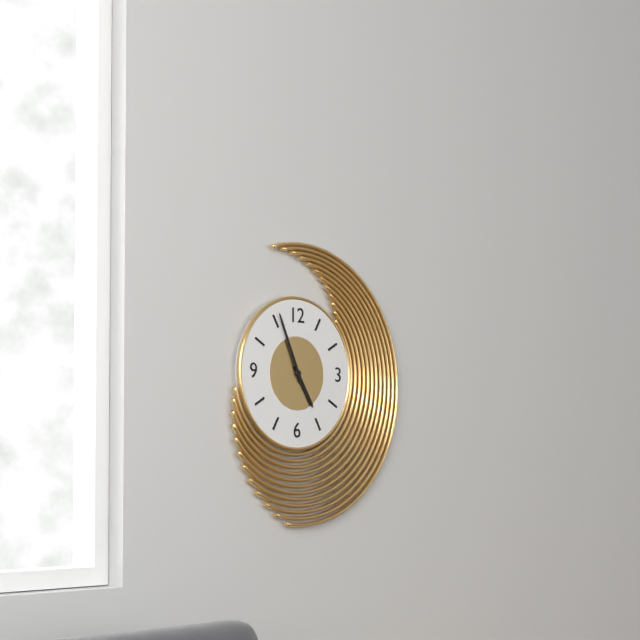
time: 4:56
